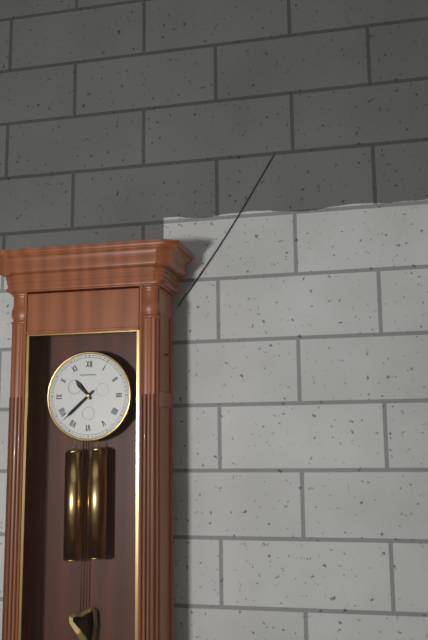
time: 10:38
